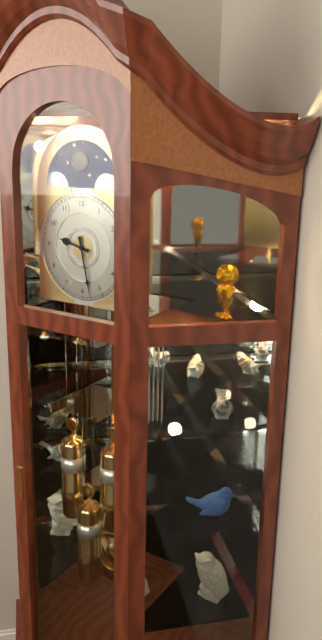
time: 9:28
